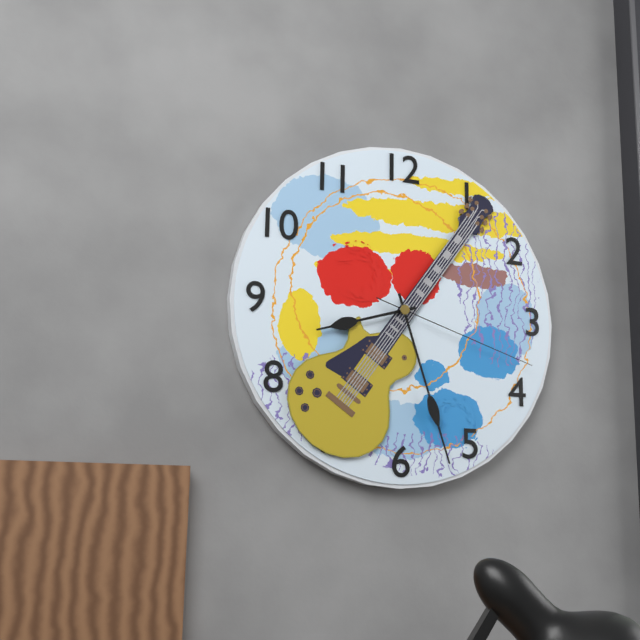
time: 8:27:18
